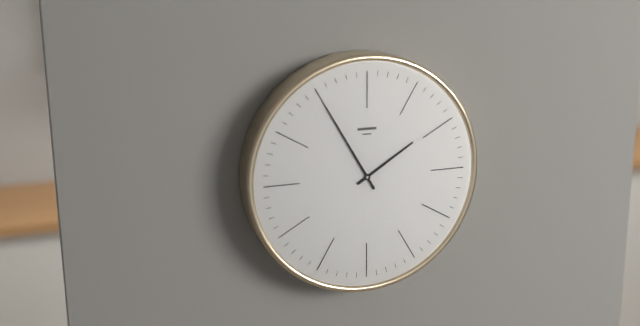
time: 1:55
